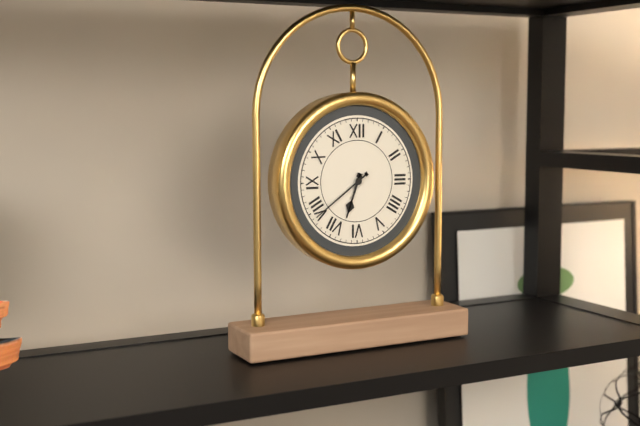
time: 6:39
